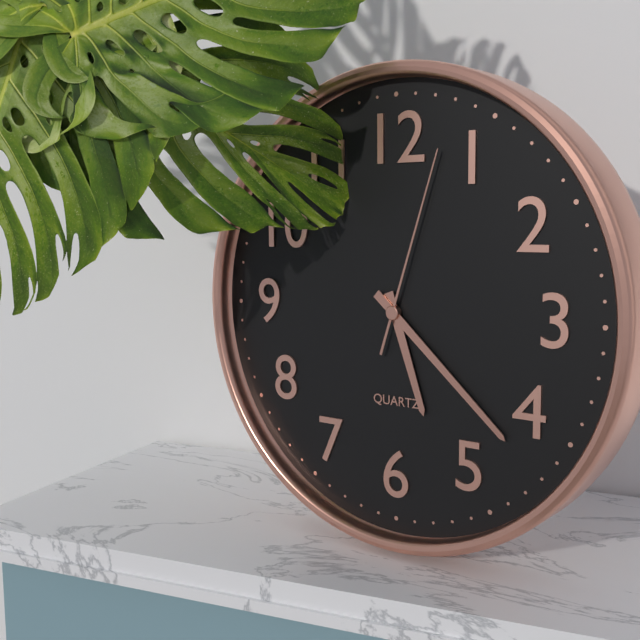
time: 5:22:03
